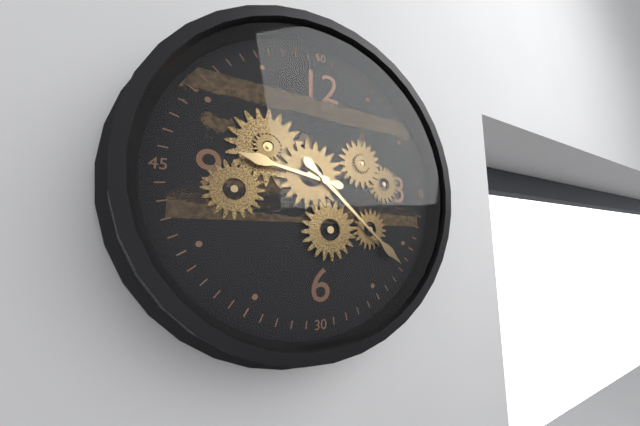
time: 9:22
